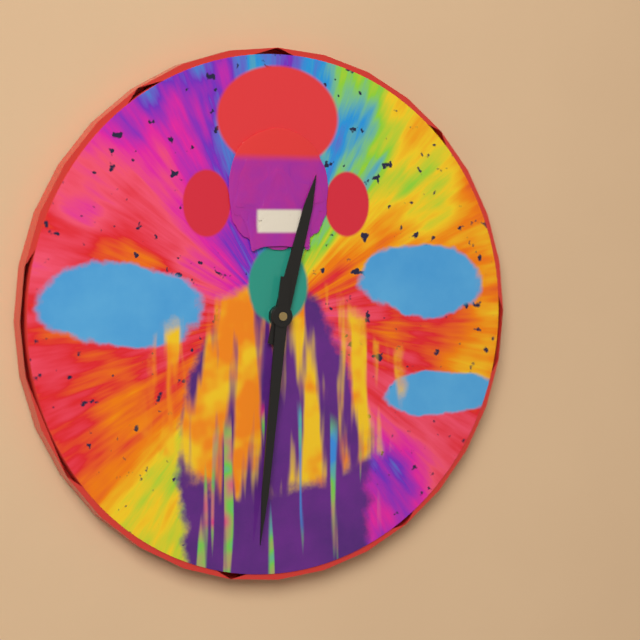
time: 12:31
